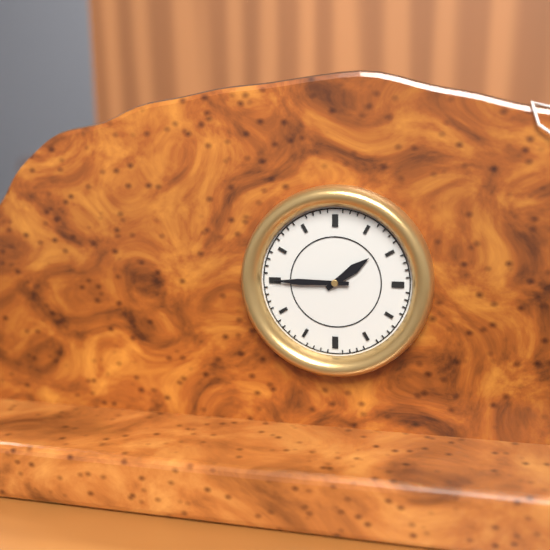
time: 1:45
